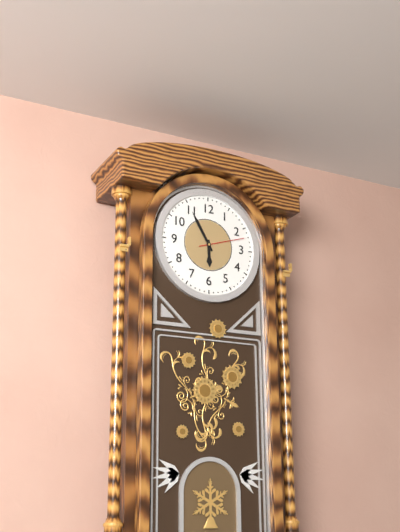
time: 5:55:12
